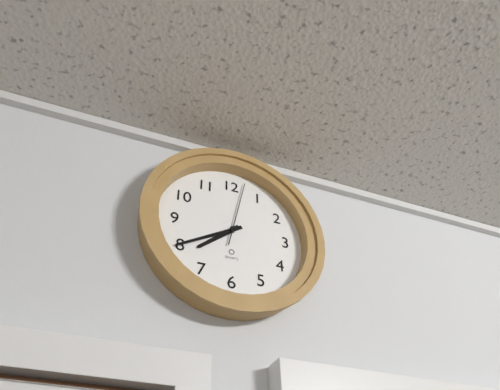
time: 7:40:02
